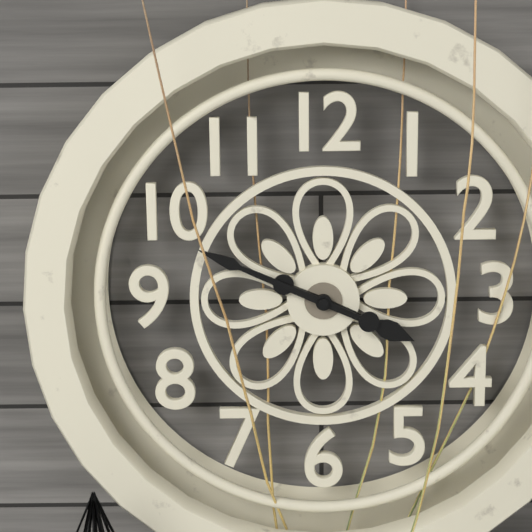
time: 3:49
